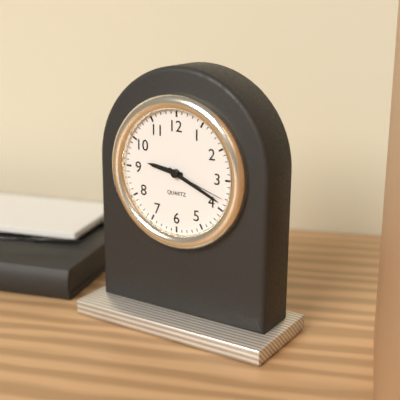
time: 9:19:18
